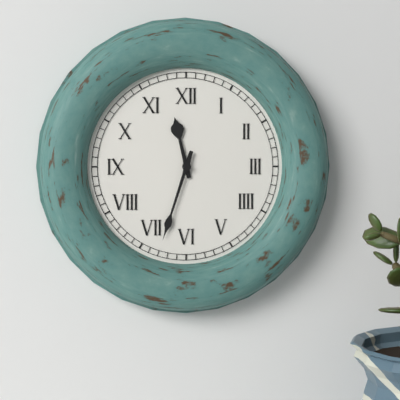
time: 11:33
